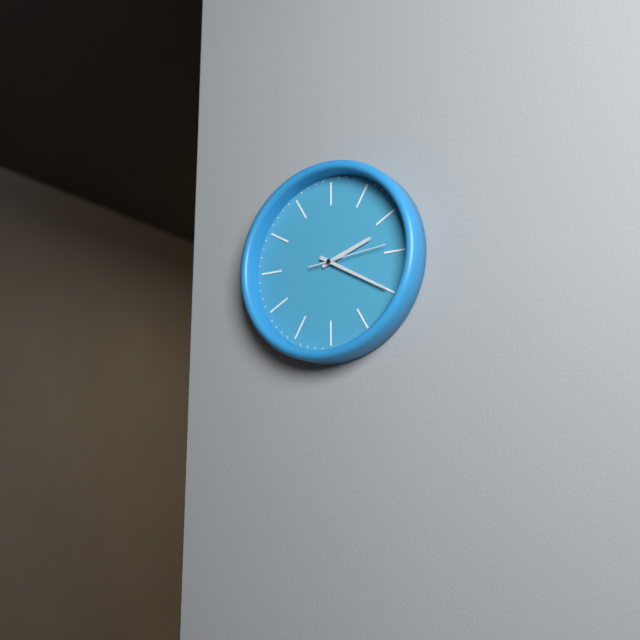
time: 2:20:14
